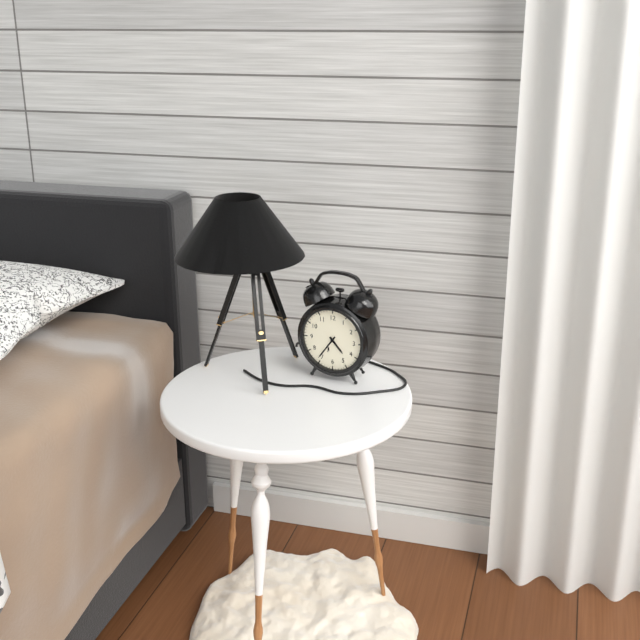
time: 4:36
